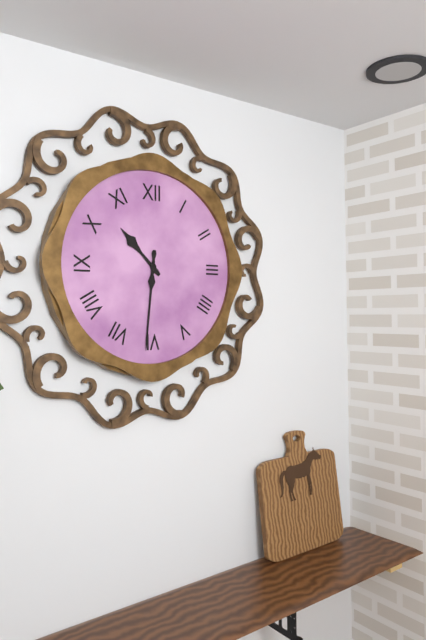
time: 10:31
